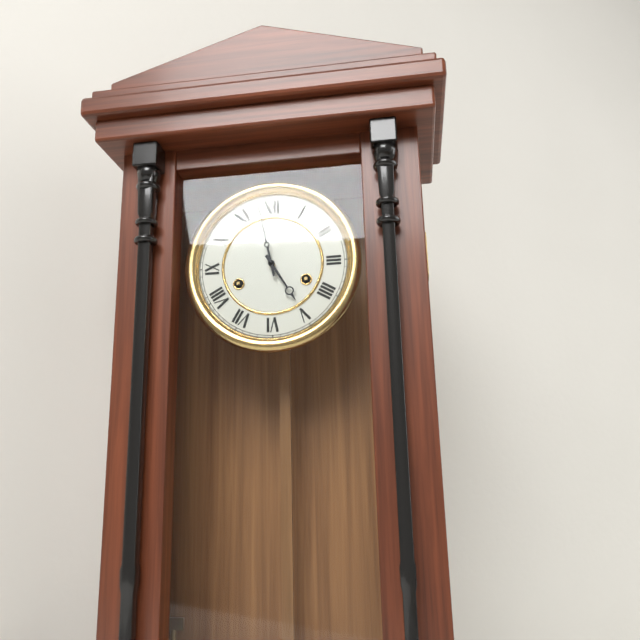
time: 4:58
